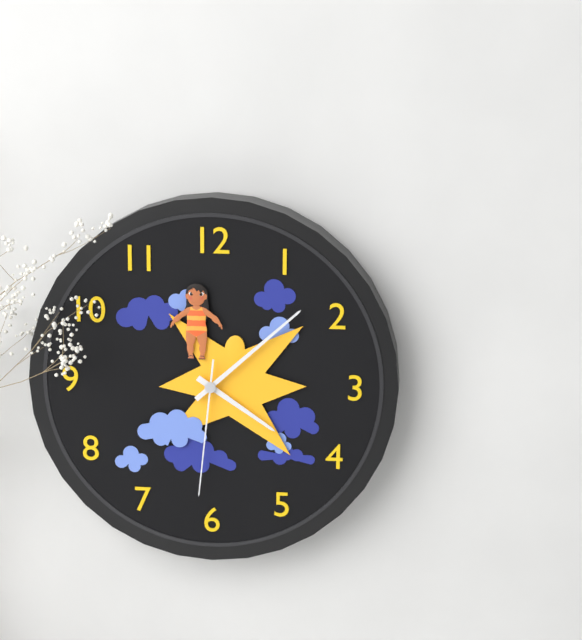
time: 4:08:31
